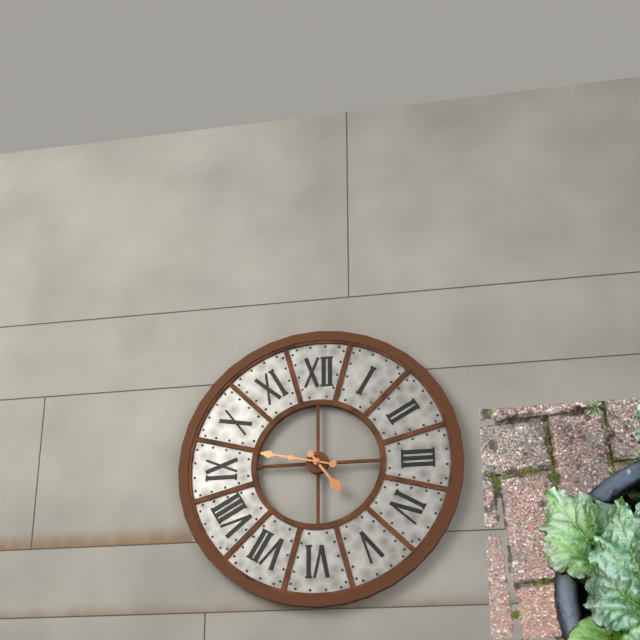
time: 4:47
